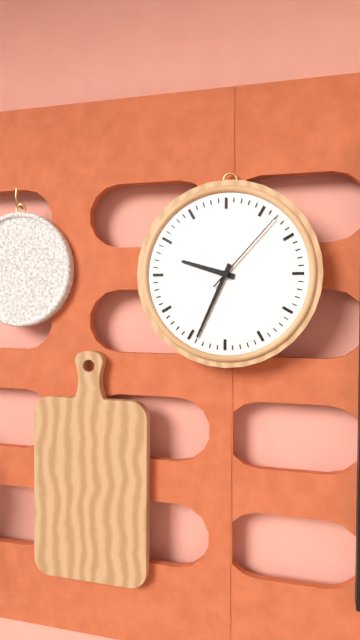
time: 9:34:07
